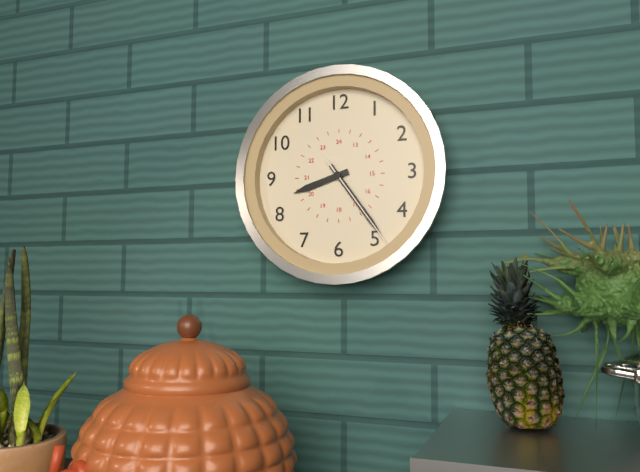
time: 8:24:24
